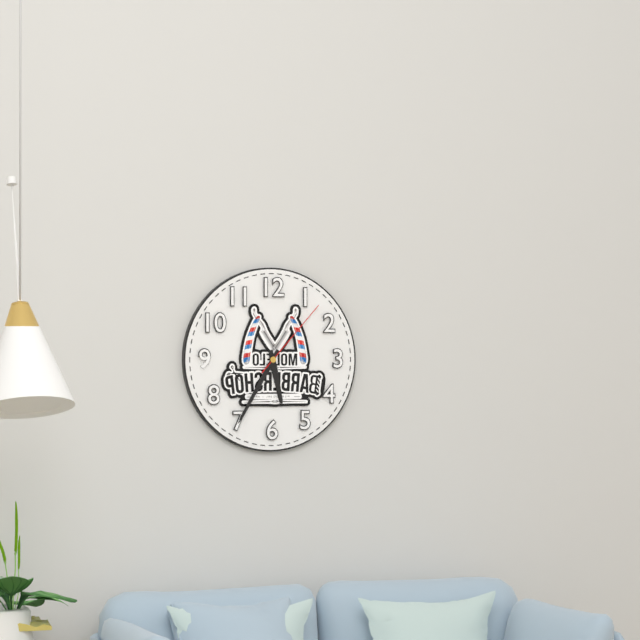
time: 5:35:07
